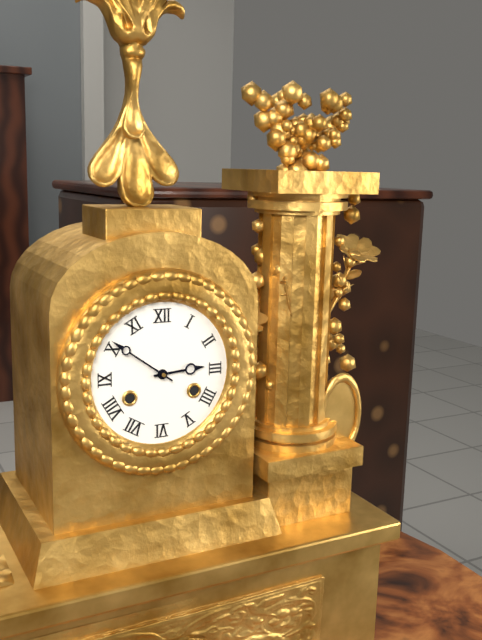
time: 2:51
